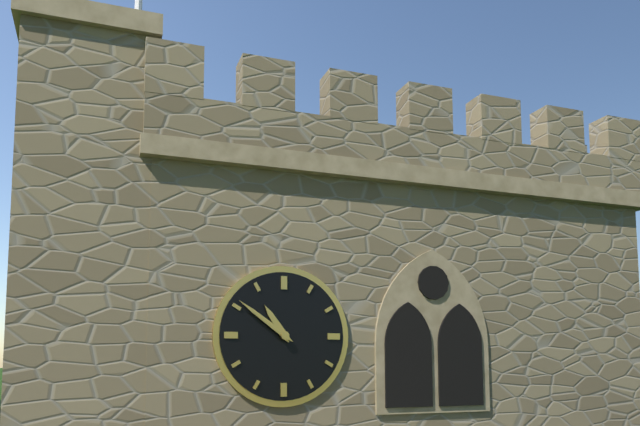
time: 10:51
